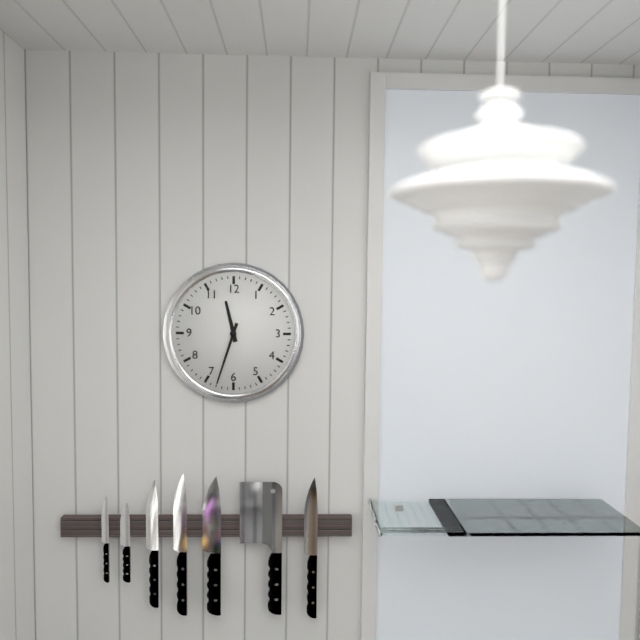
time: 11:33
